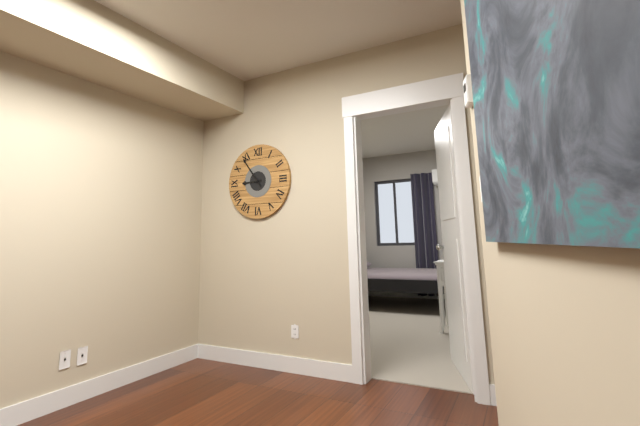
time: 8:54
